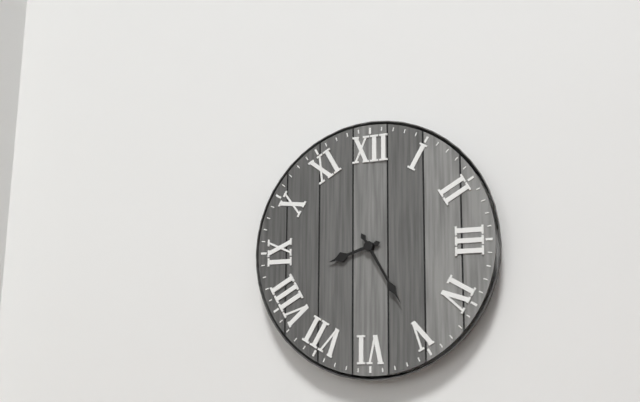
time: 8:25
